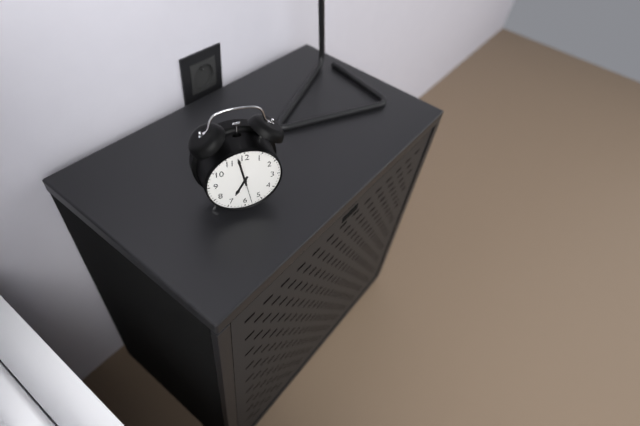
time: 6:58
